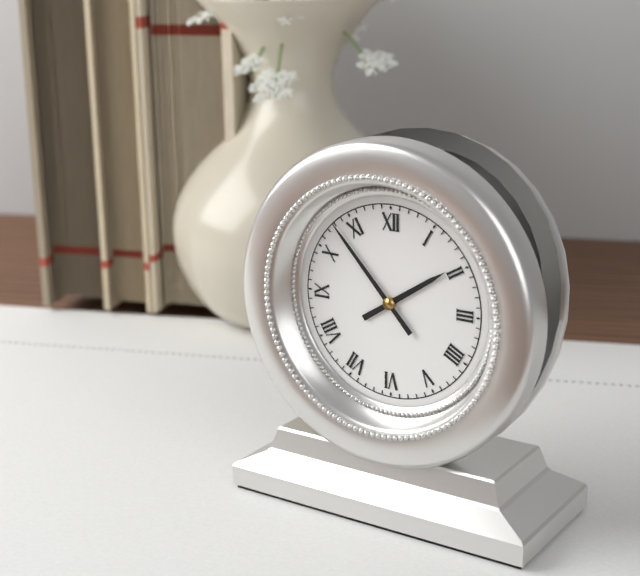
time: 1:53
